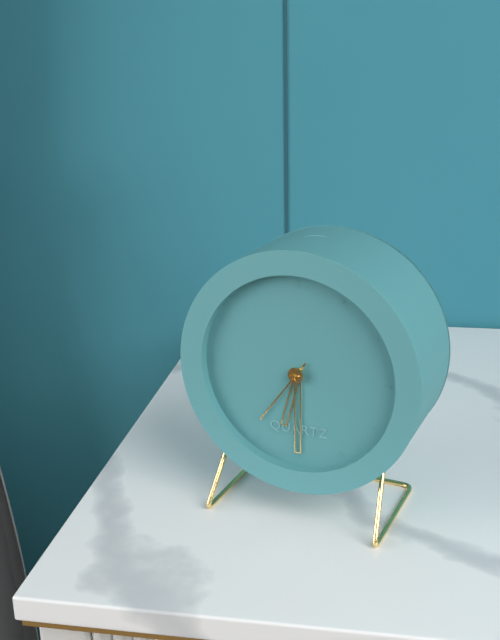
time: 6:30:36
